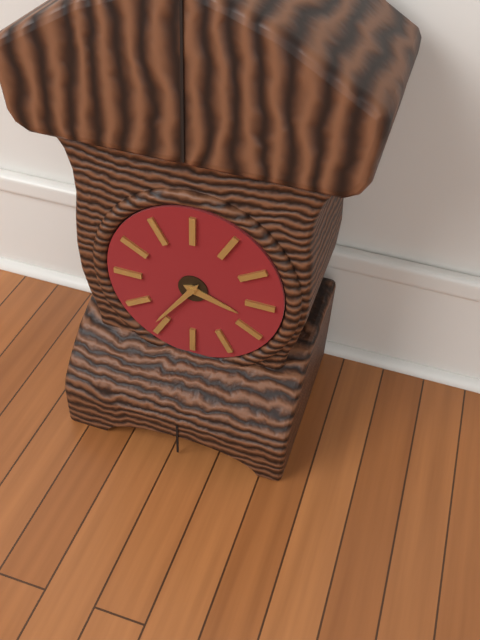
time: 3:36
